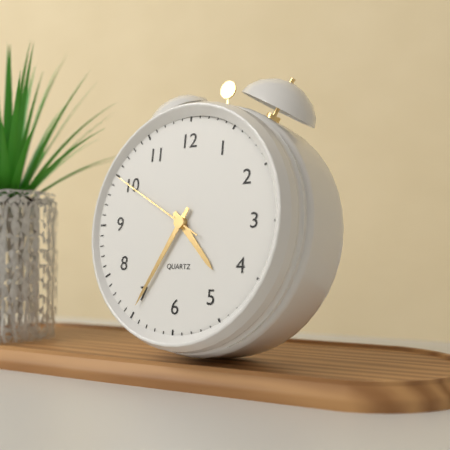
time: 4:35:50
